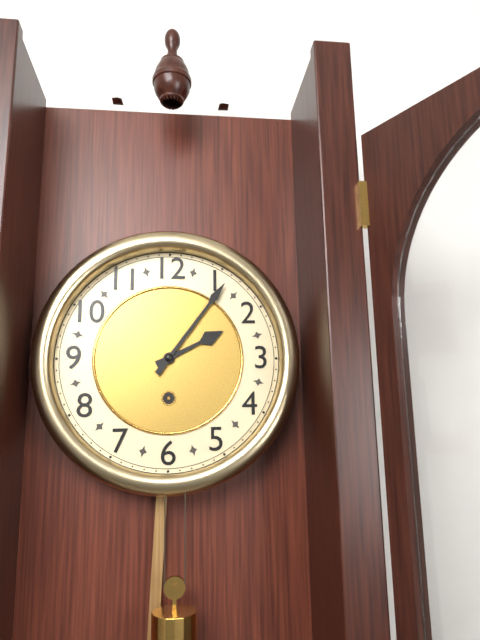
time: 2:06
